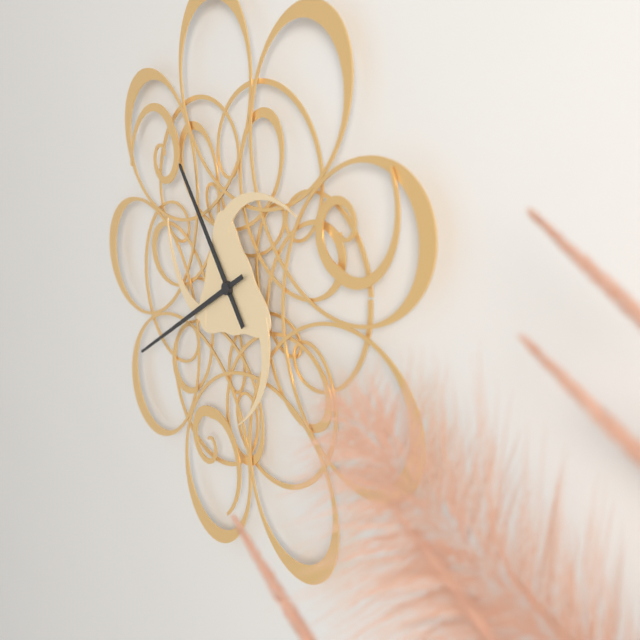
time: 10:40
